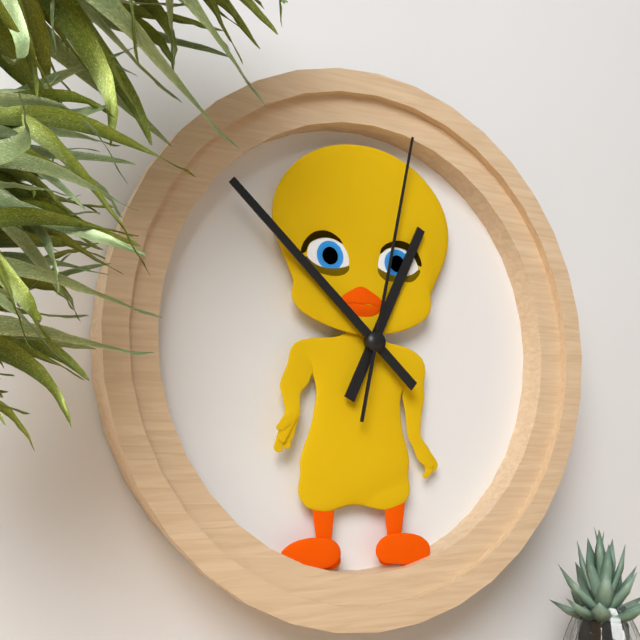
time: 12:52:02
